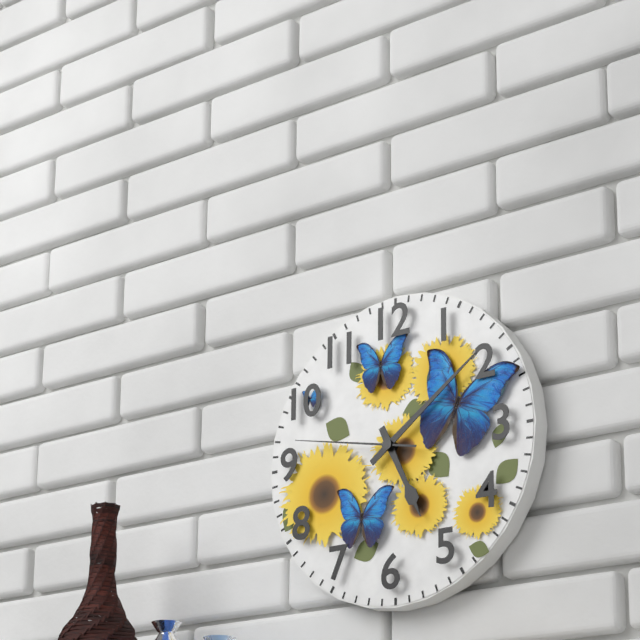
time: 5:09:47
